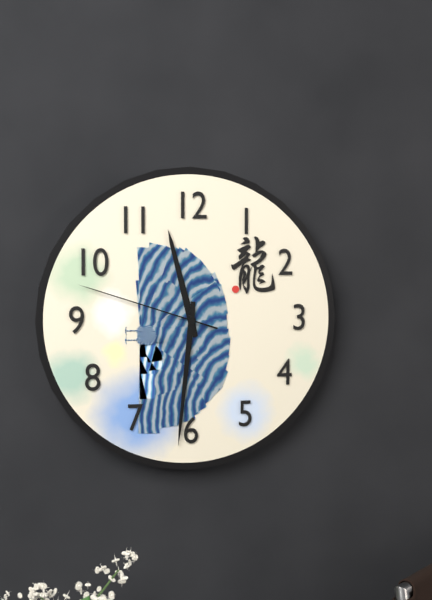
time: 11:31:48
